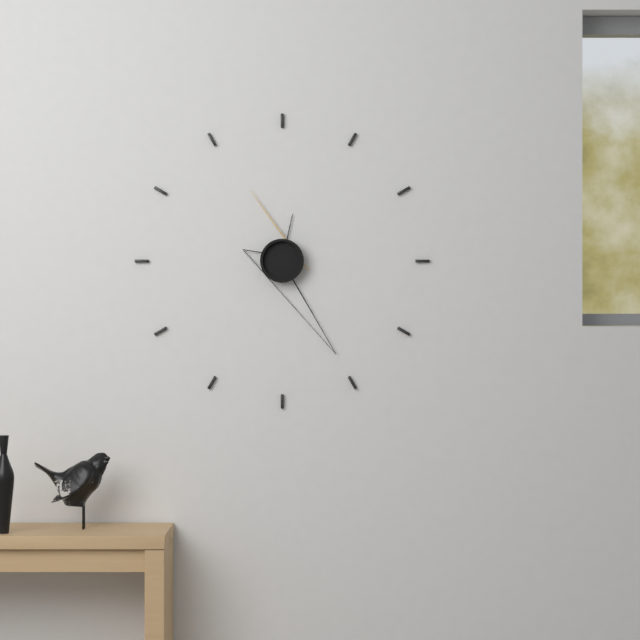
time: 12:25:56
